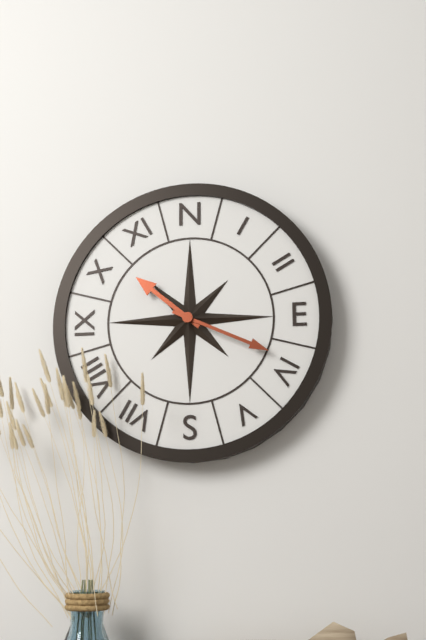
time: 10:19
